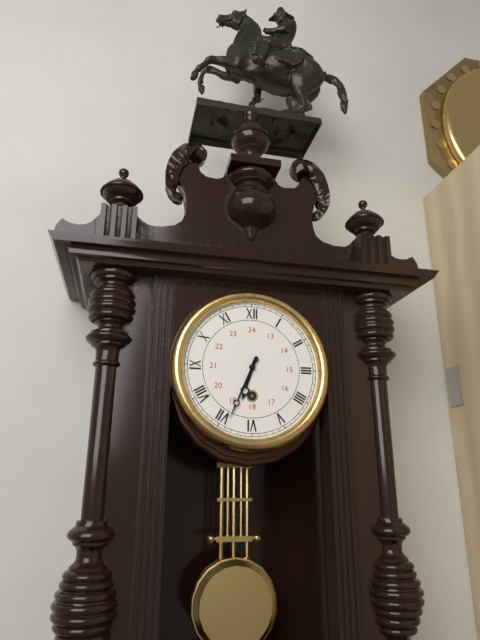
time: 6:34
